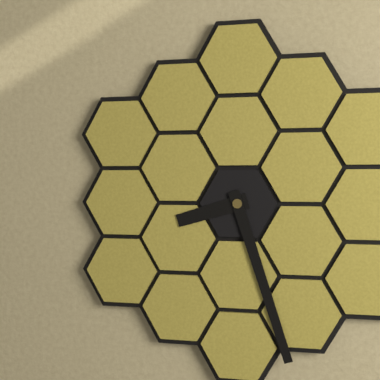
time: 8:27
